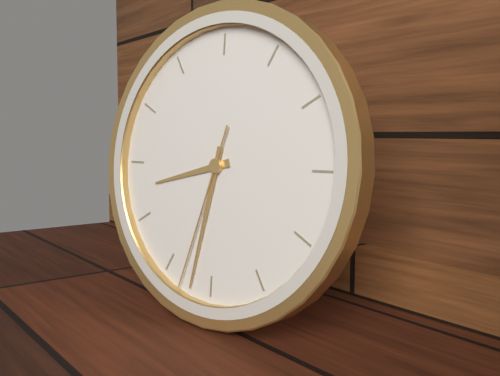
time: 8:32:33
